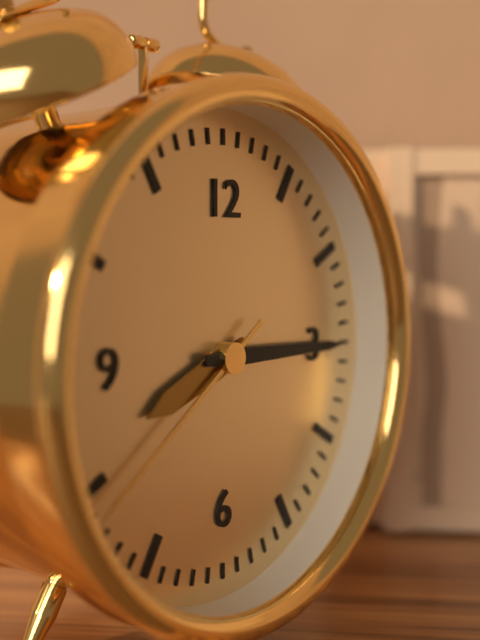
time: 8:15:39
